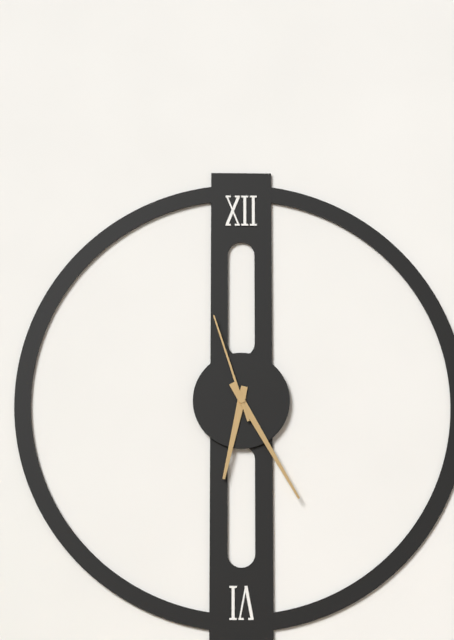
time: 6:25:57
